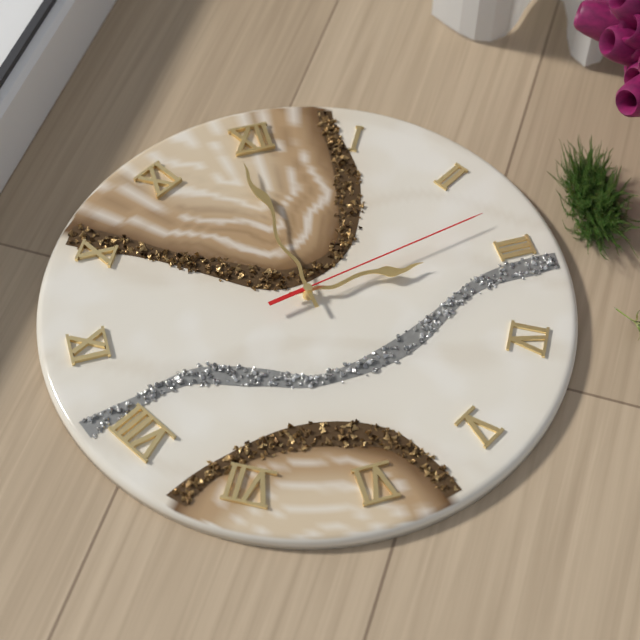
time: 2:59:13
